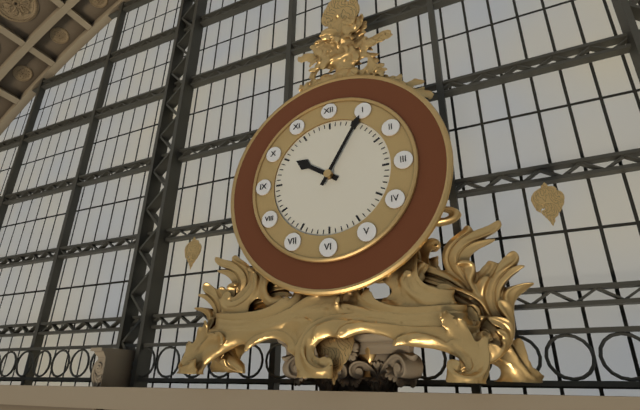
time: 10:05
